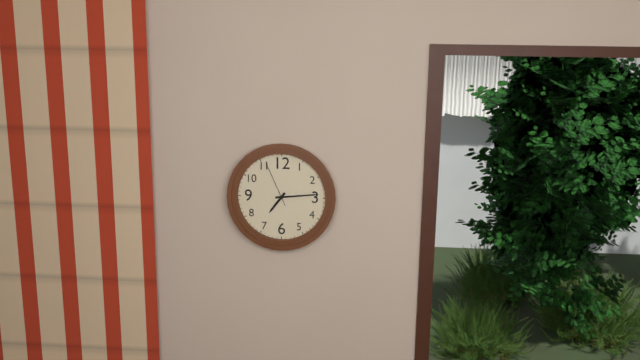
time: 7:14
